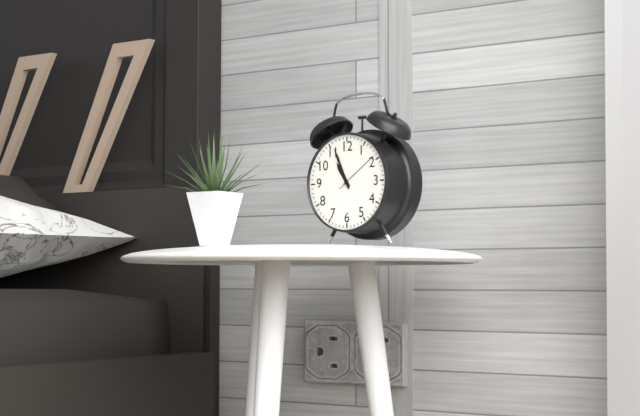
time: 10:56
